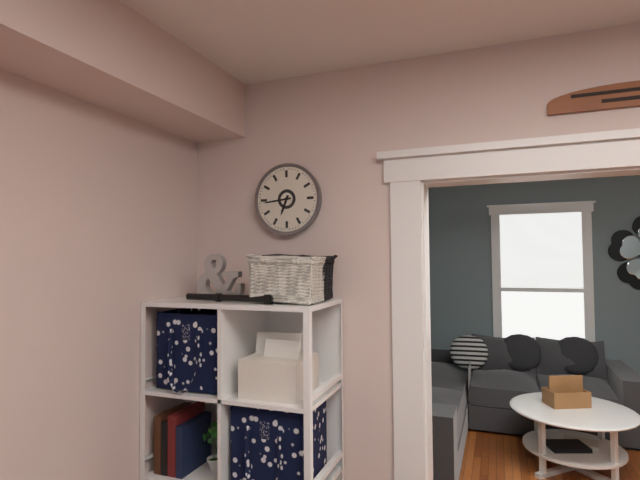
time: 6:44
